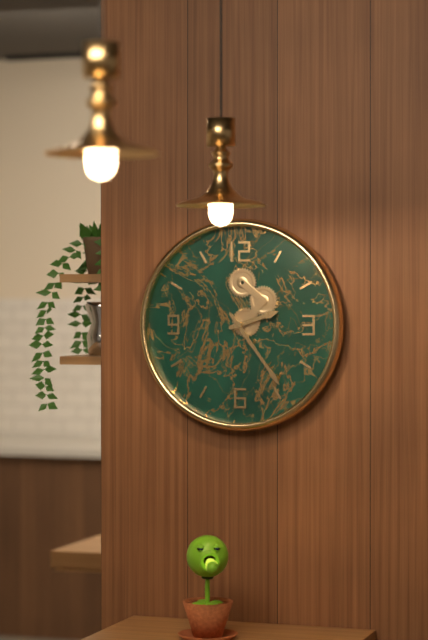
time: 2:24
